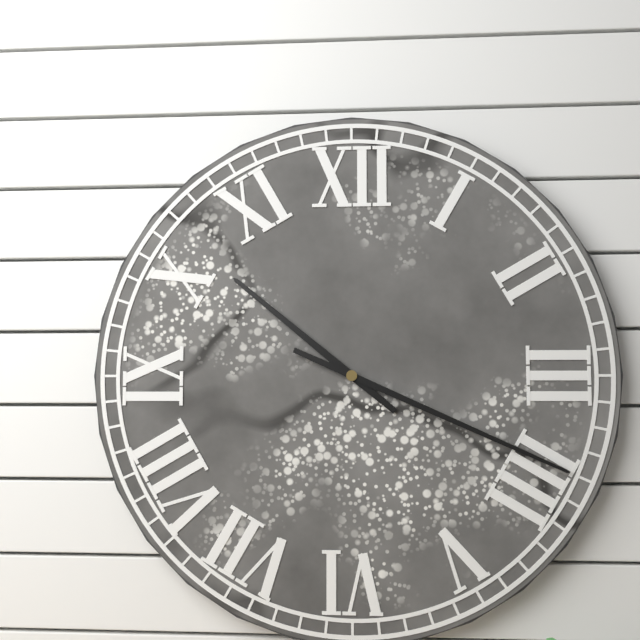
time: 10:19
